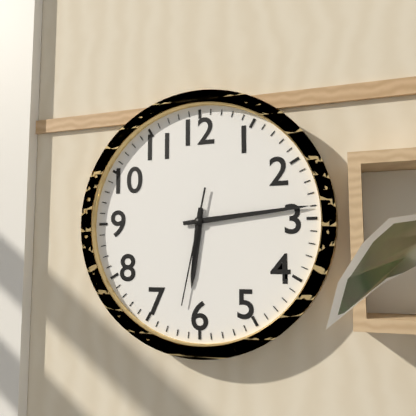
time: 6:14:32
